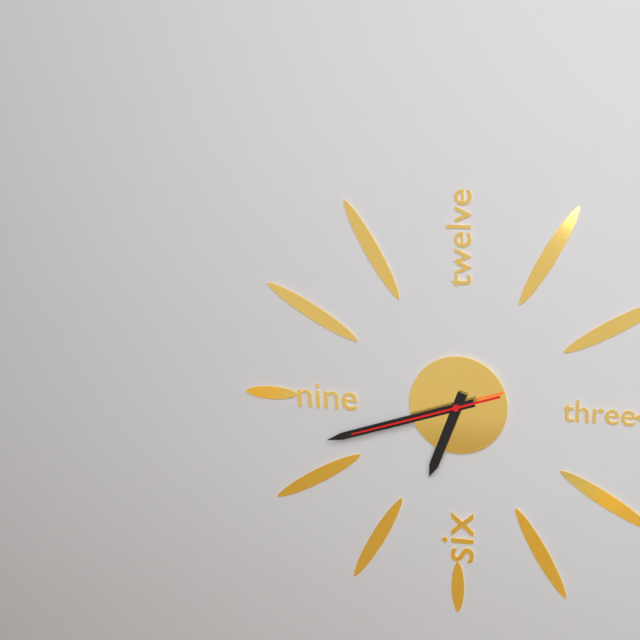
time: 6:42:42
